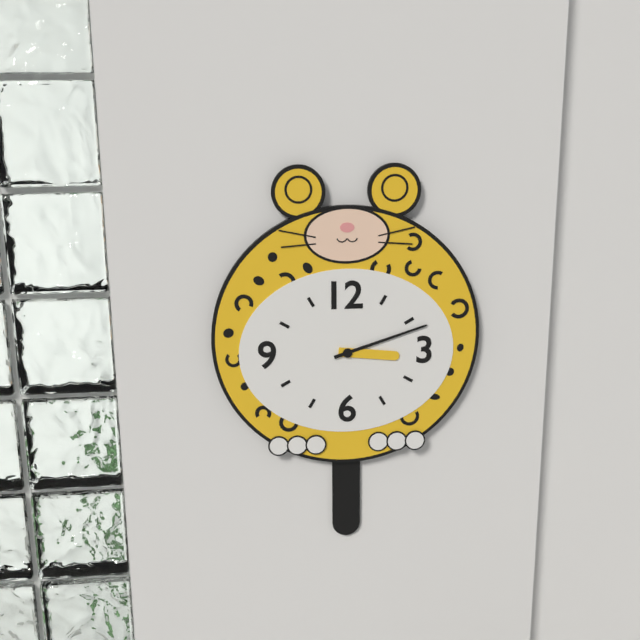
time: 3:12
